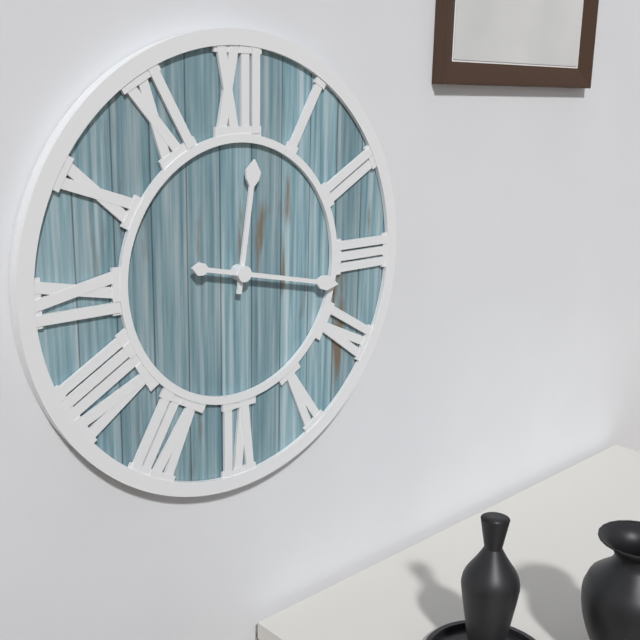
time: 12:17
